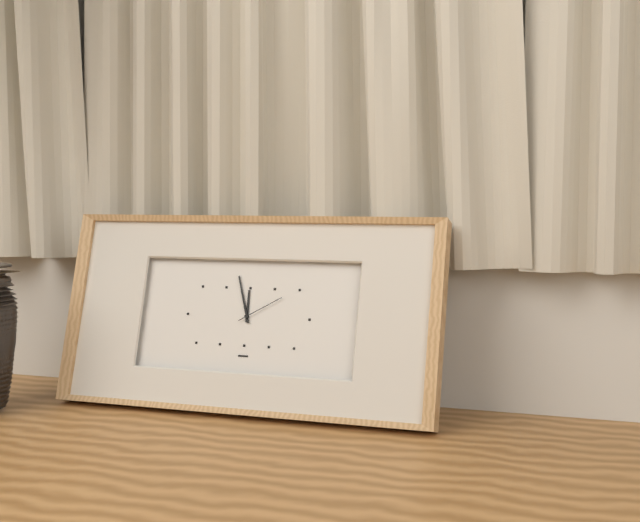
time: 11:57
